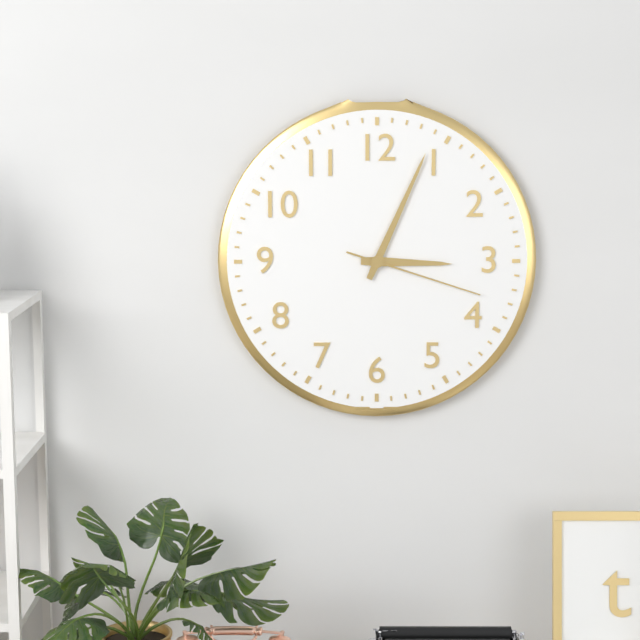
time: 3:04:18
